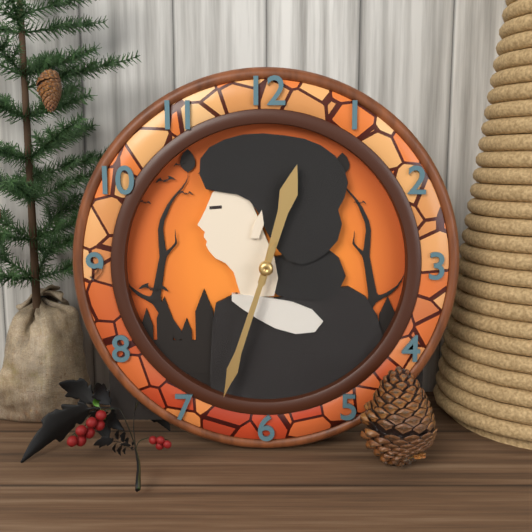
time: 12:33
